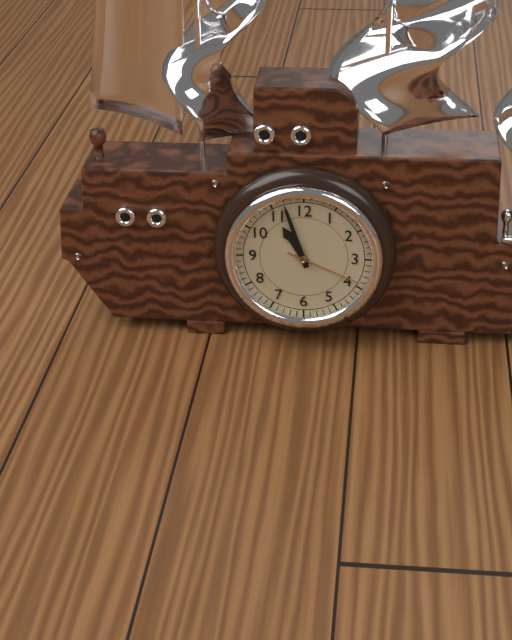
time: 10:57:19
